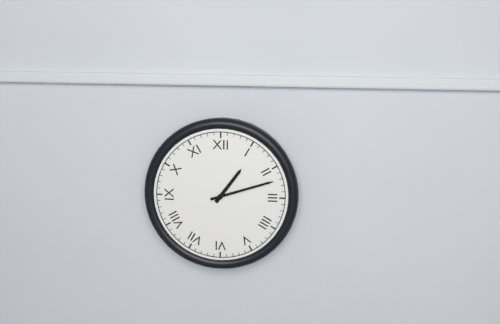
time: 1:12
